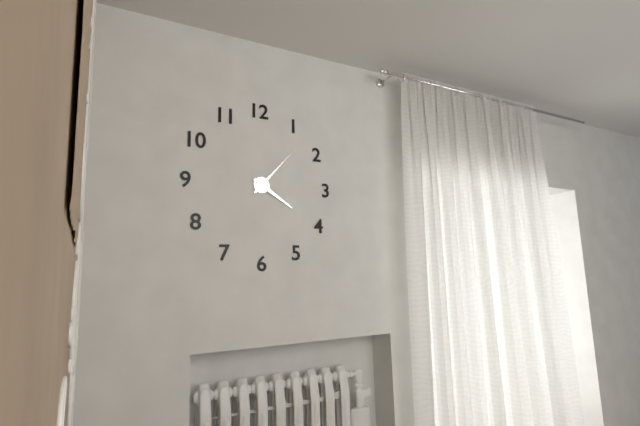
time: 4:07
